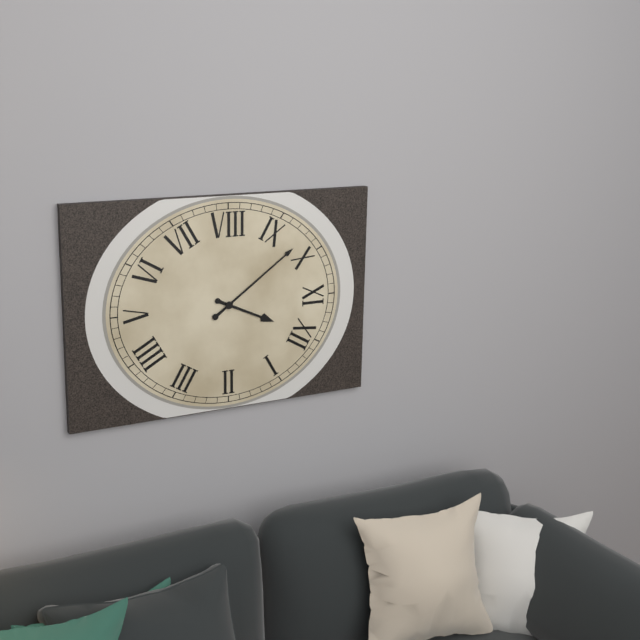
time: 11:49
